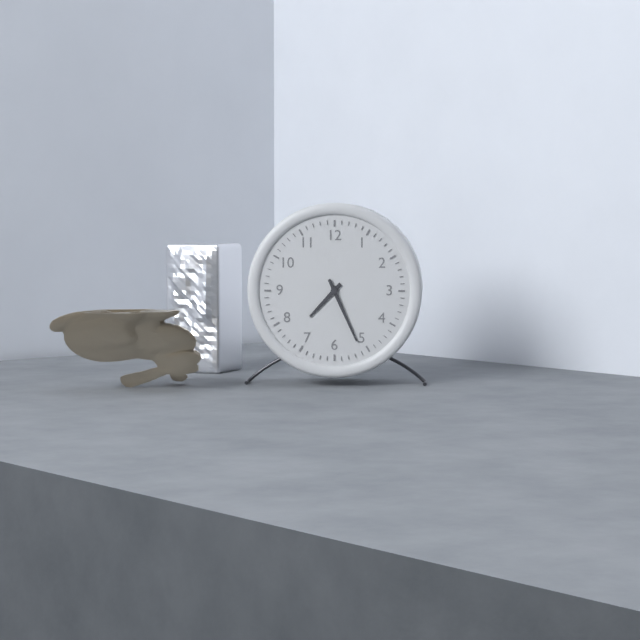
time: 7:26
